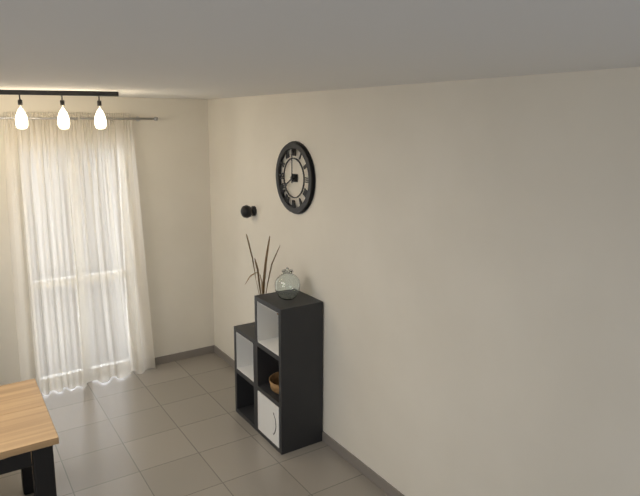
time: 8:00
